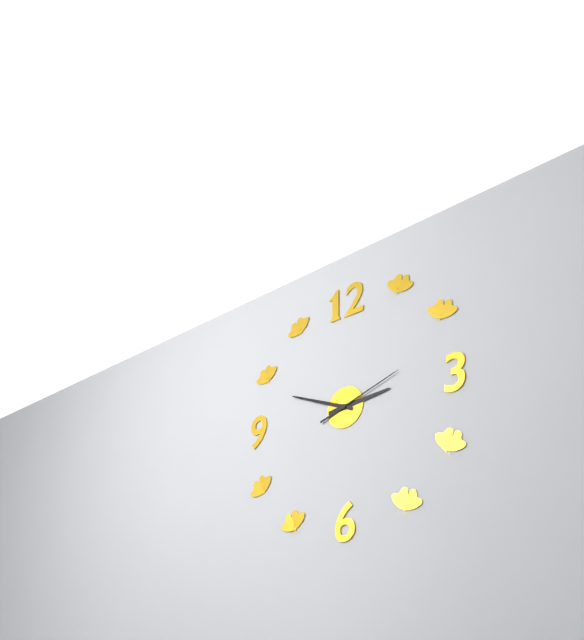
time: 2:49:12
